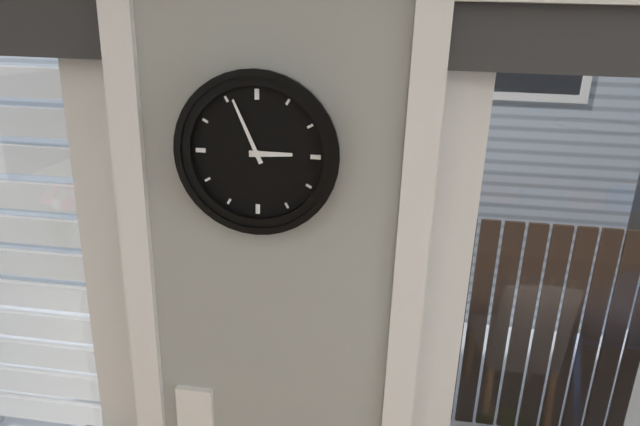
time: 2:56
